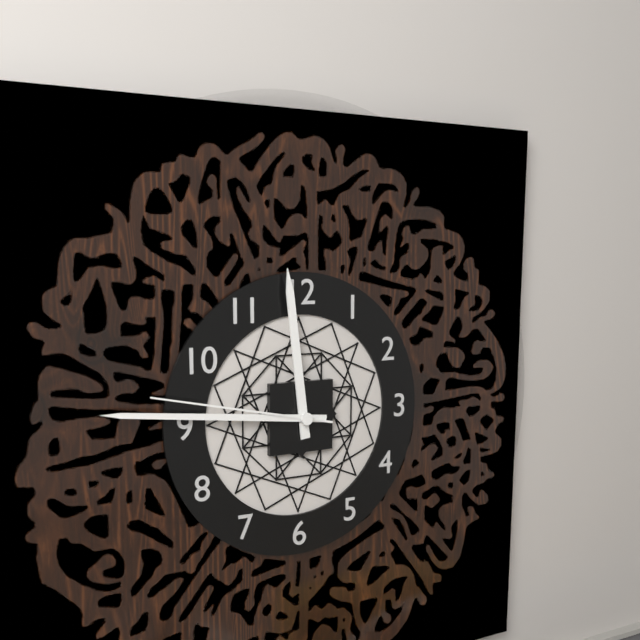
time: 11:46:47
